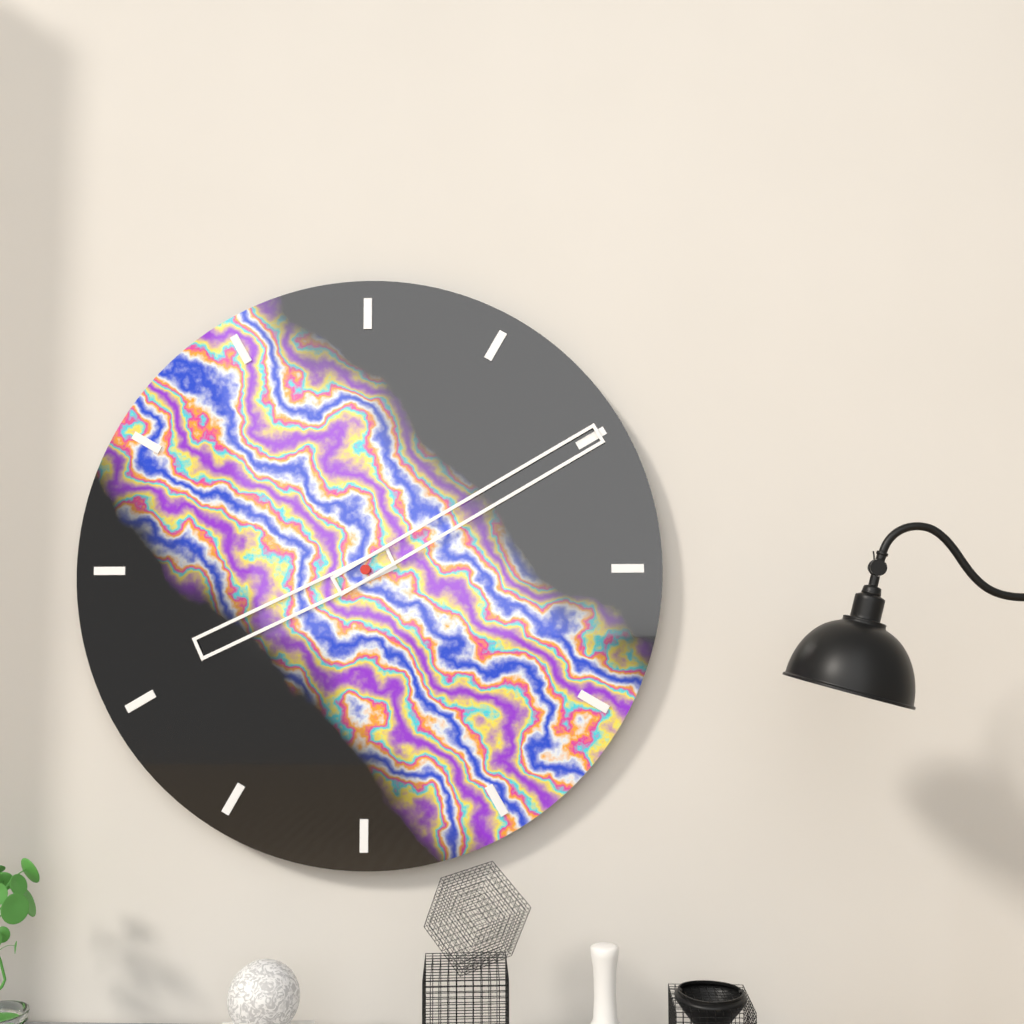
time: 8:10
